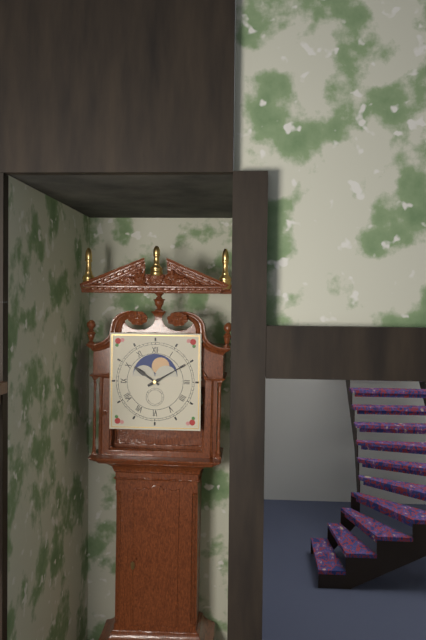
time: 10:10
